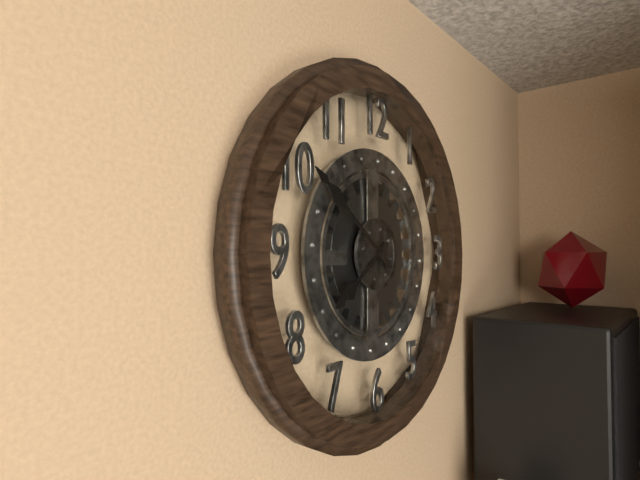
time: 7:51
